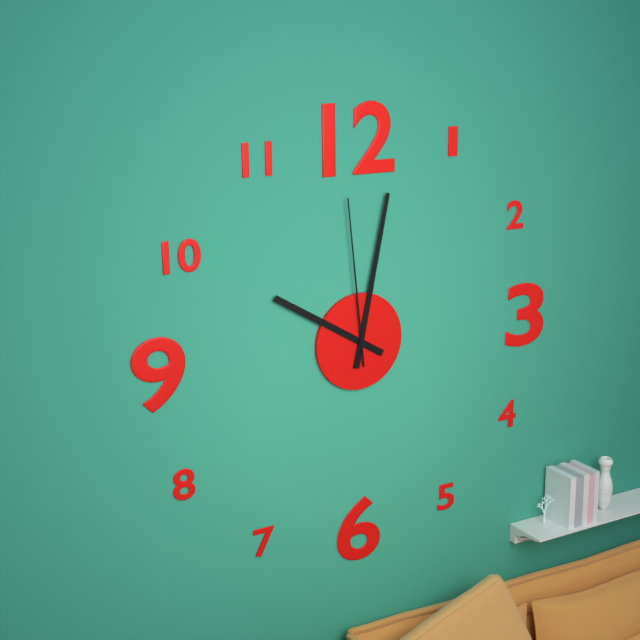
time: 10:02:59
